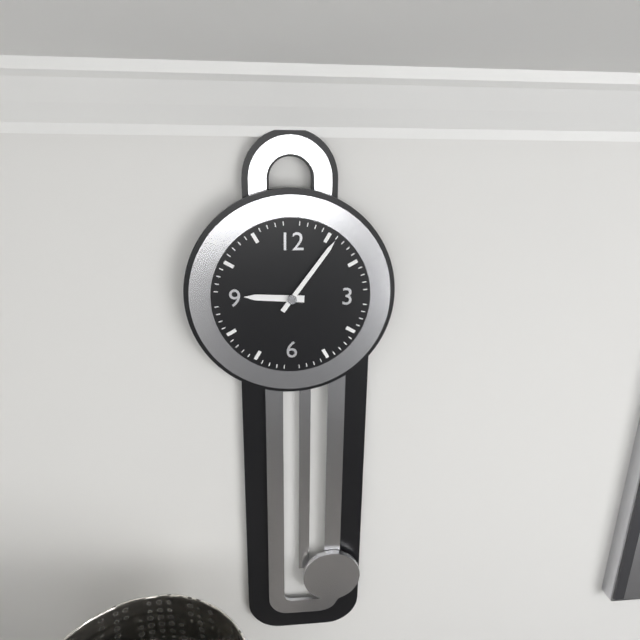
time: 9:06
